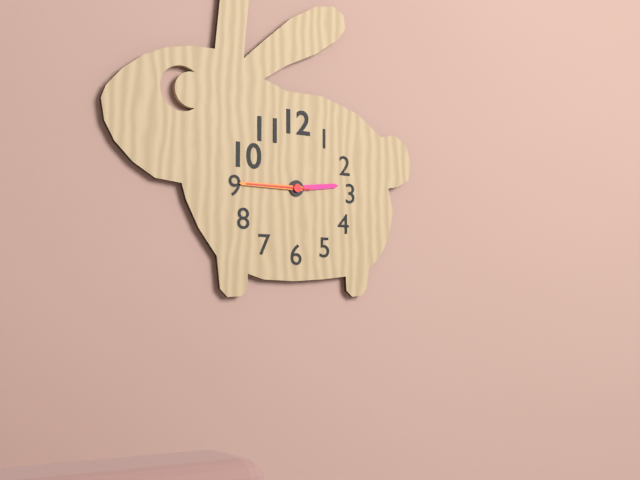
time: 2:45:45
